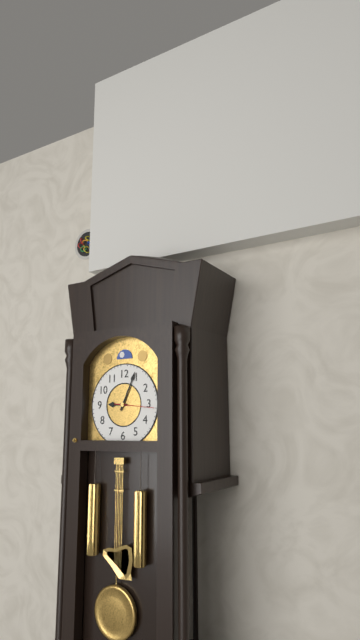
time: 9:04
